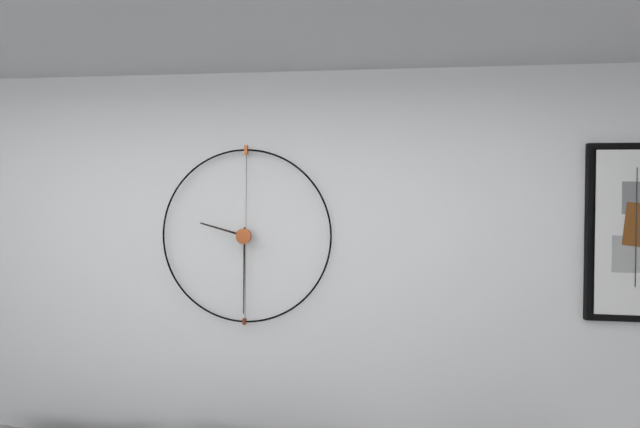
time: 9:30
